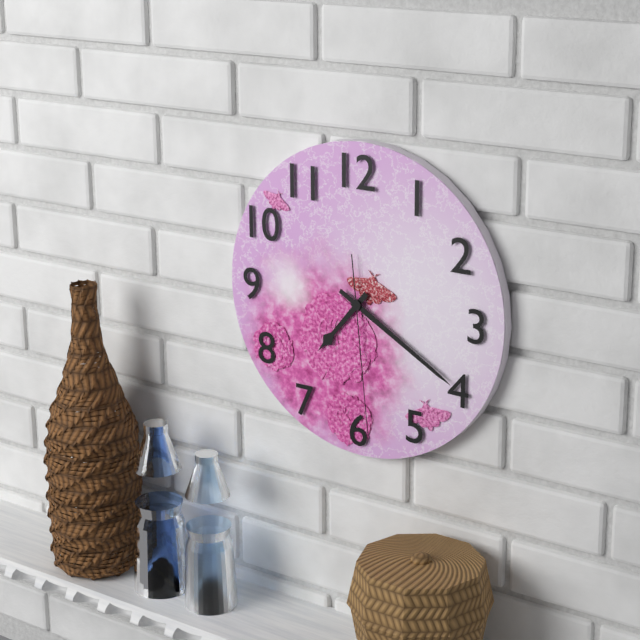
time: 7:20:29
